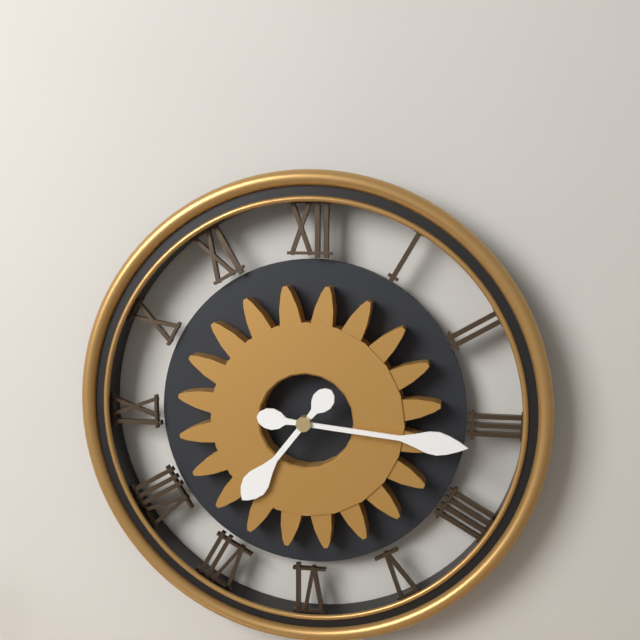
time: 7:16
